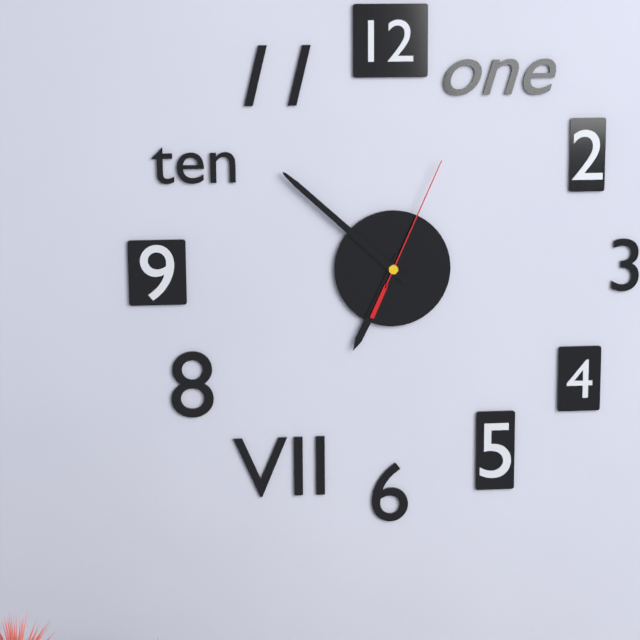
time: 6:52:04
